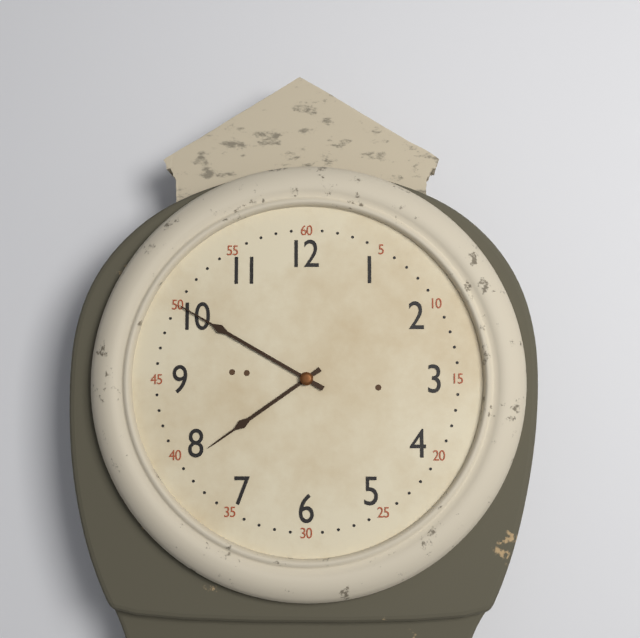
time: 7:50
